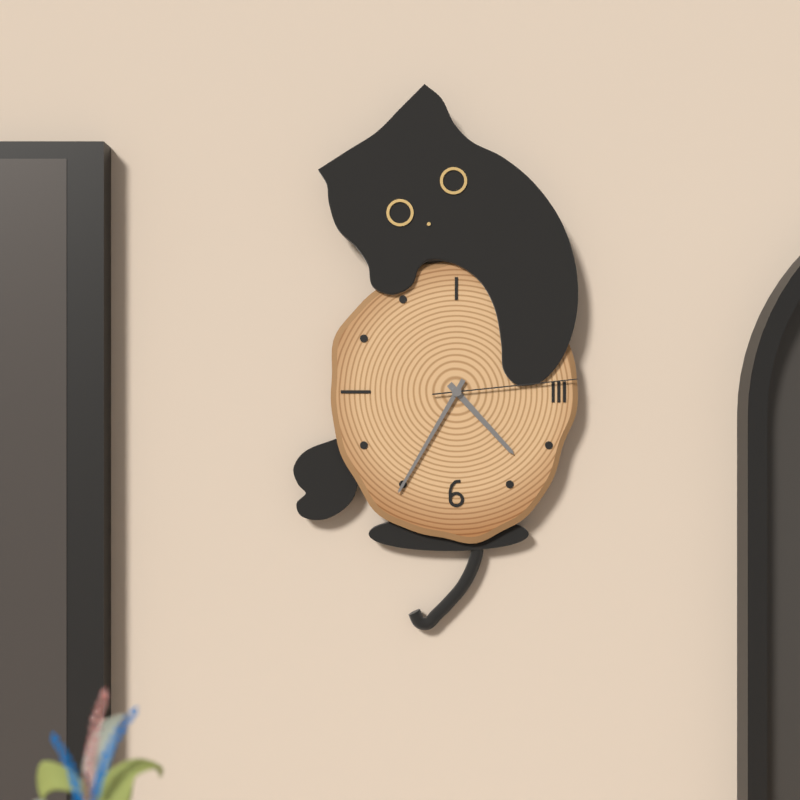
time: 4:35:14
